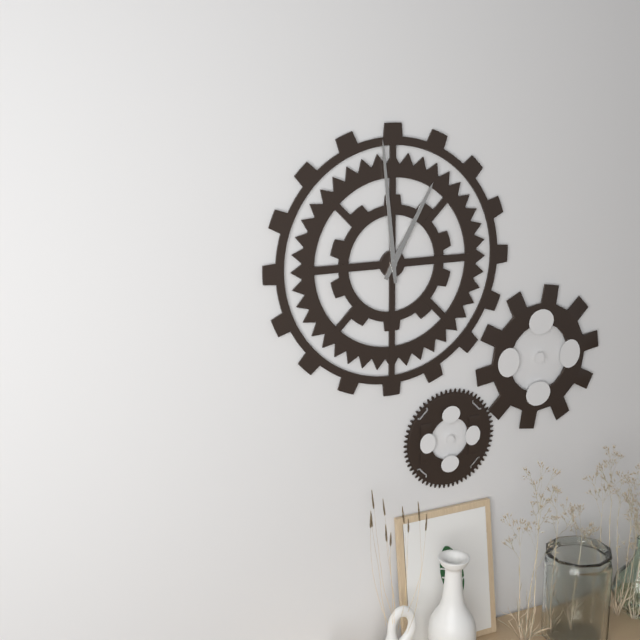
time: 12:59
